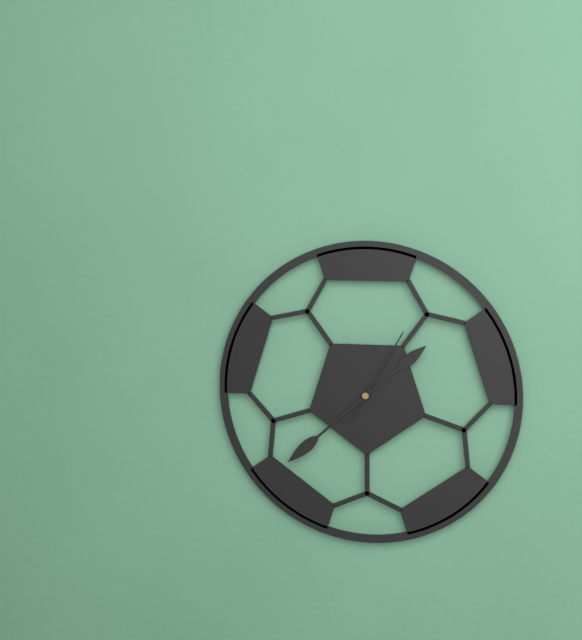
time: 1:38:05
